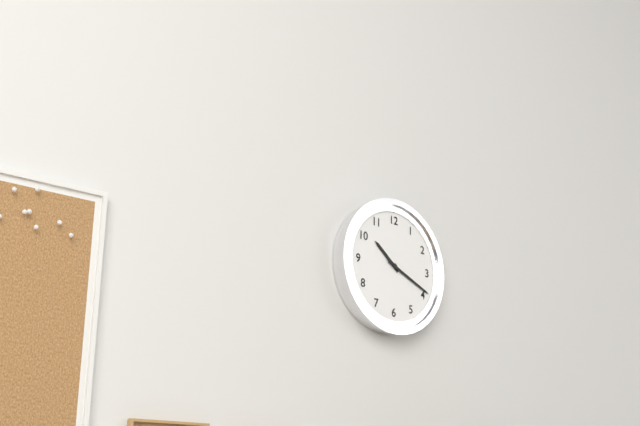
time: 10:19
